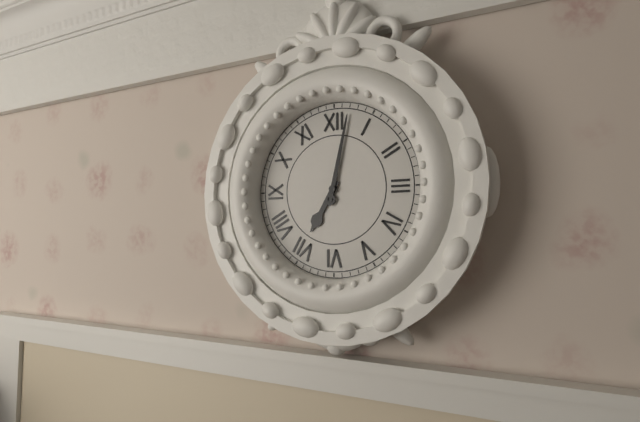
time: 7:02
